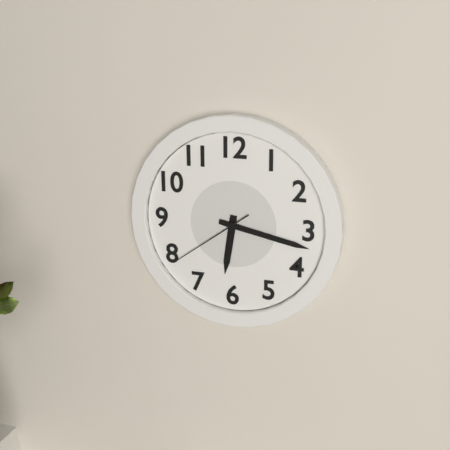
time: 6:17:39
